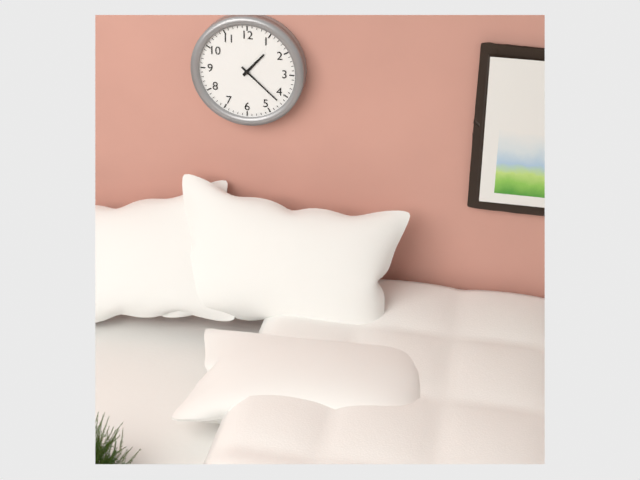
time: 1:22
